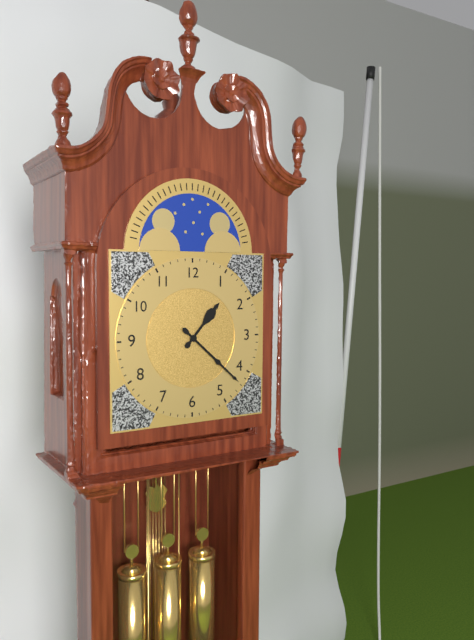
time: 1:22
